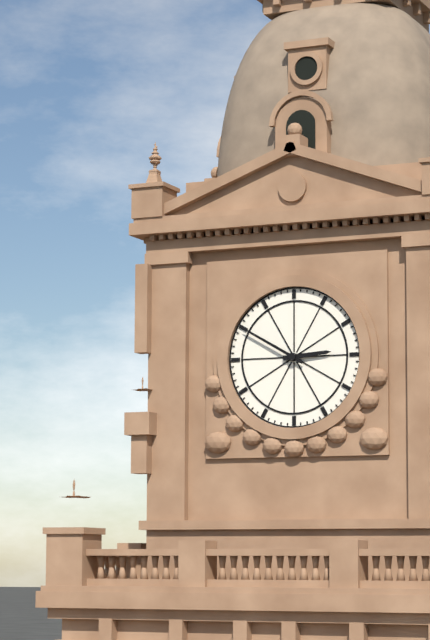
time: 2:50
